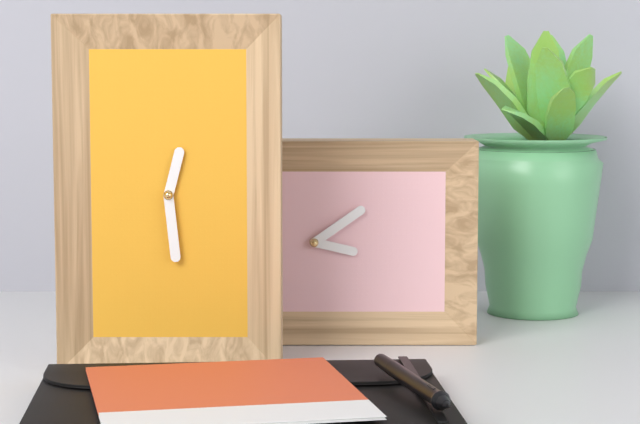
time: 12:29
